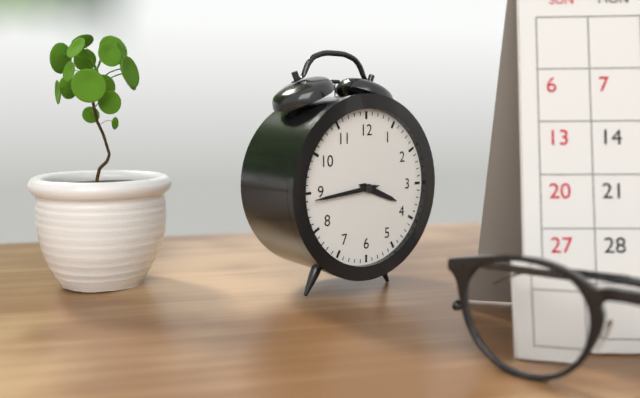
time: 3:44
